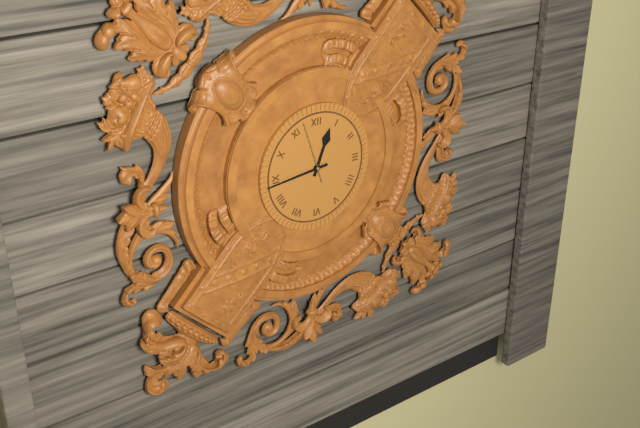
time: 12:44:57
